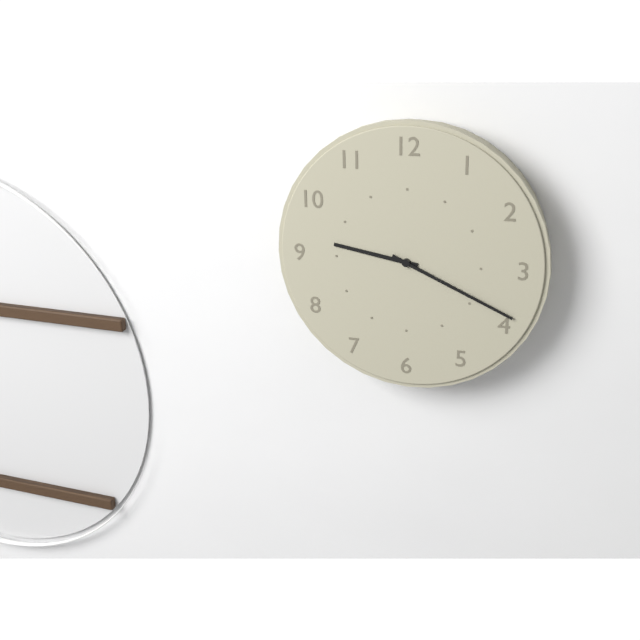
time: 9:19
